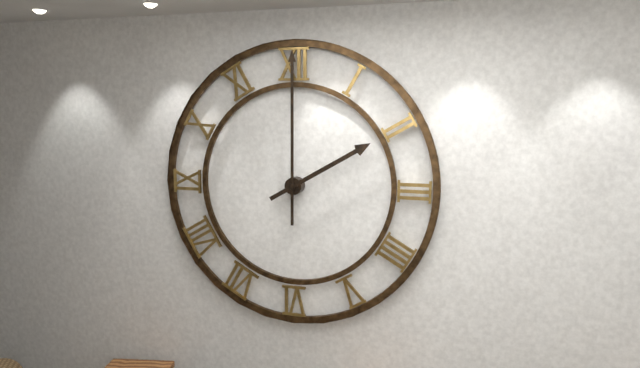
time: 2:00
